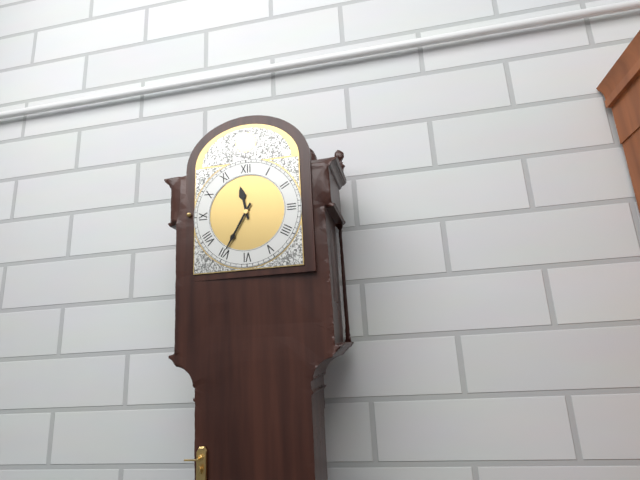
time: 11:35
